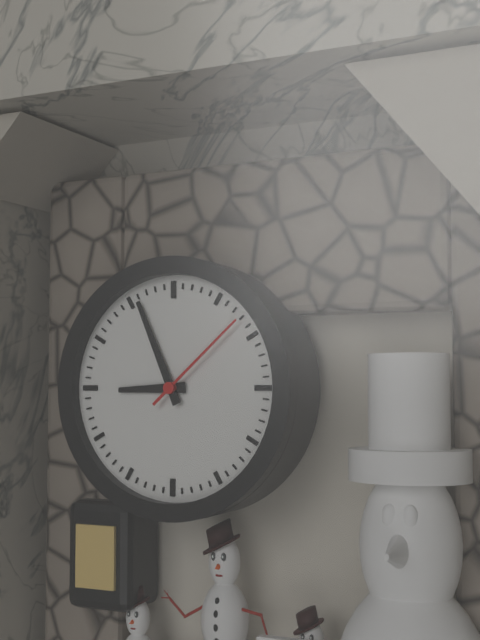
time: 8:56:08
